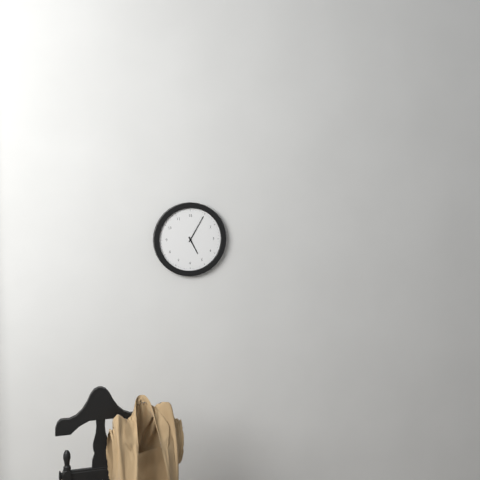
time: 5:05
